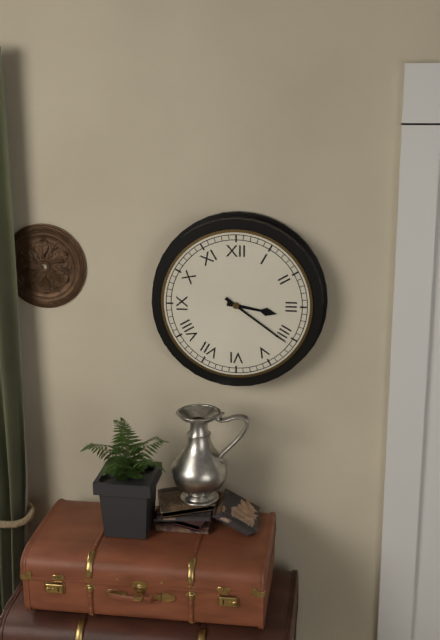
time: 3:21
